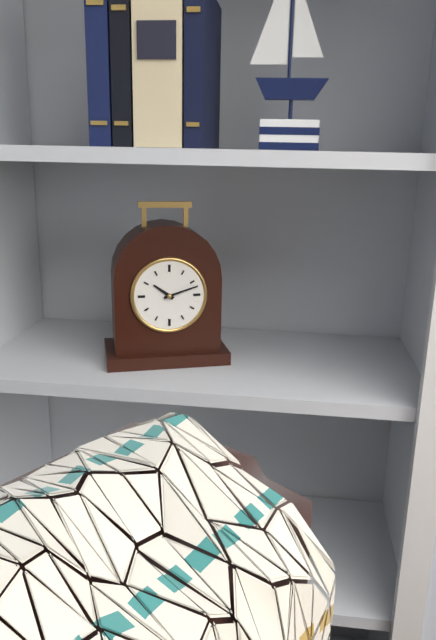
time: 10:12
